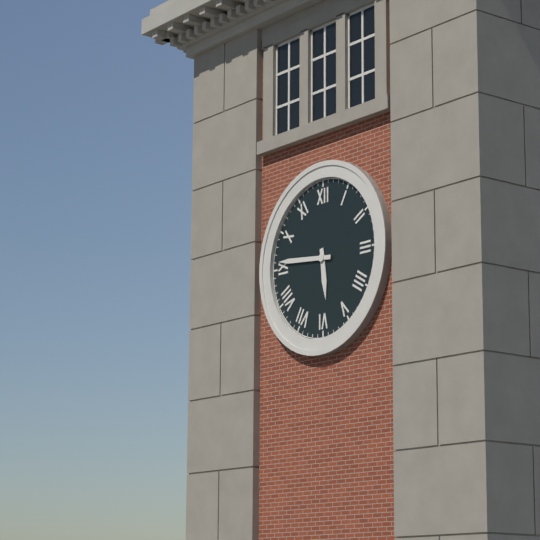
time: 5:46
